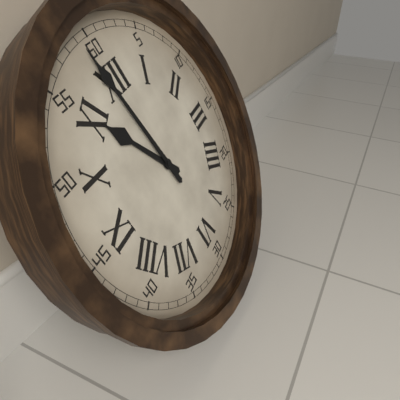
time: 10:59
